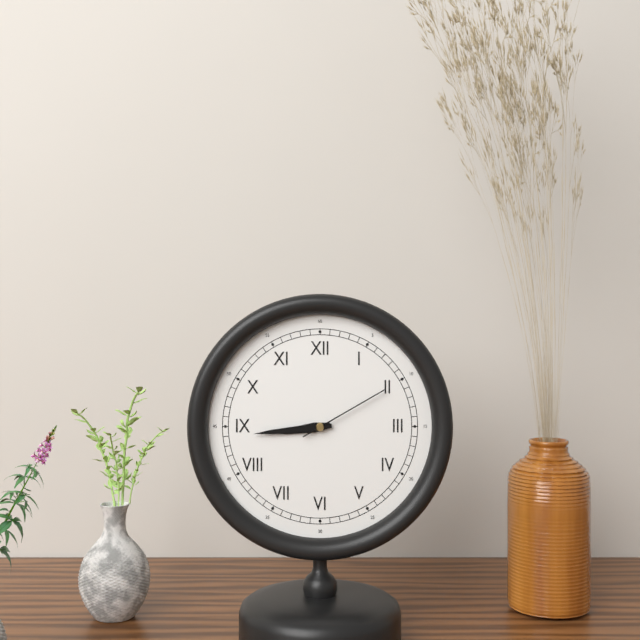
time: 8:44:10
